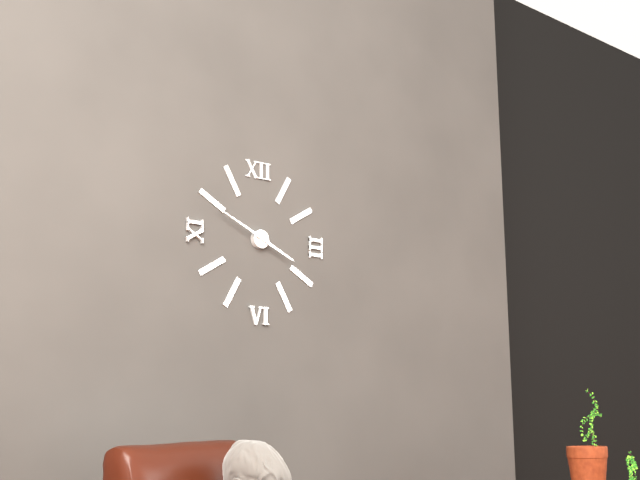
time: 3:49
